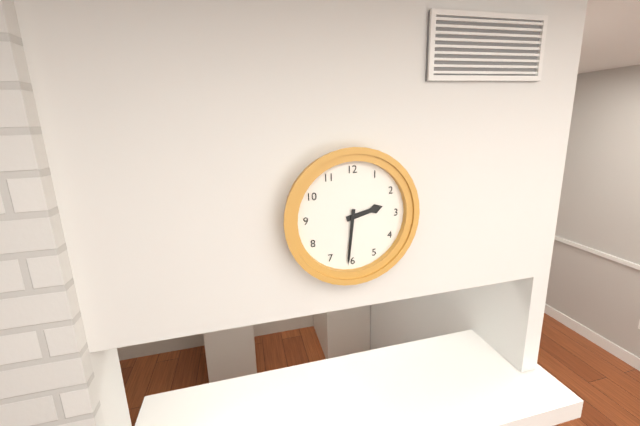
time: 2:31
